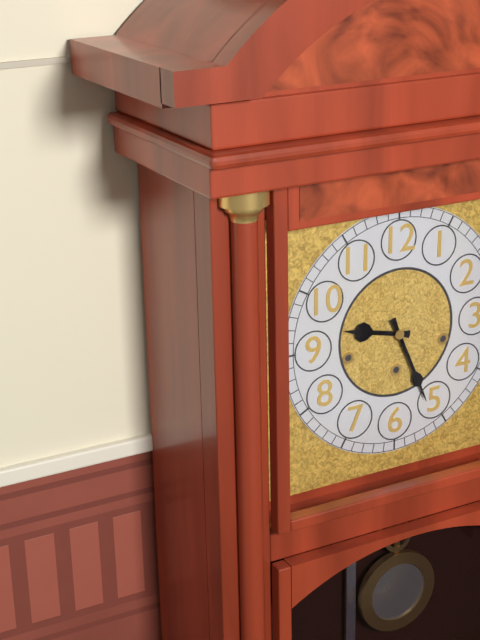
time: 9:26
